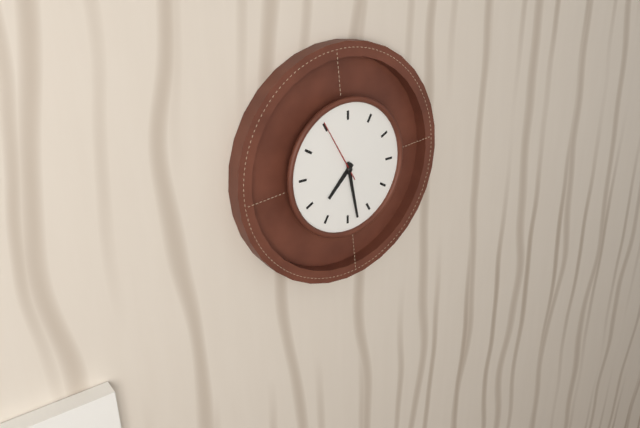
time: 7:28:55
